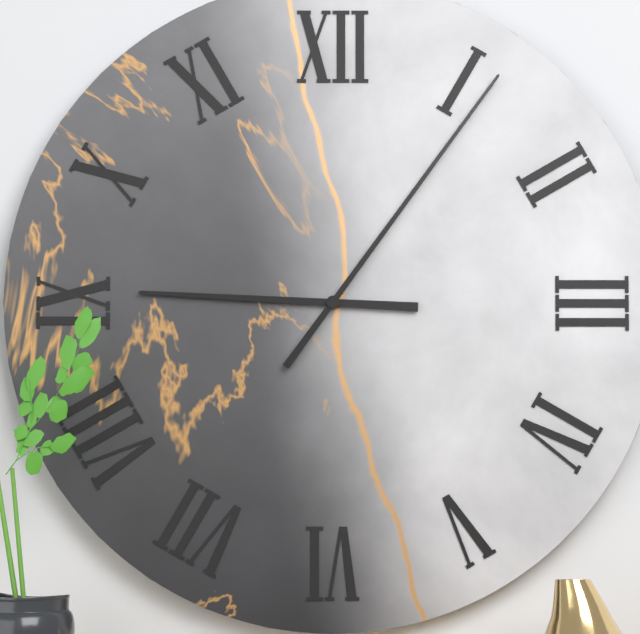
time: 9:06
